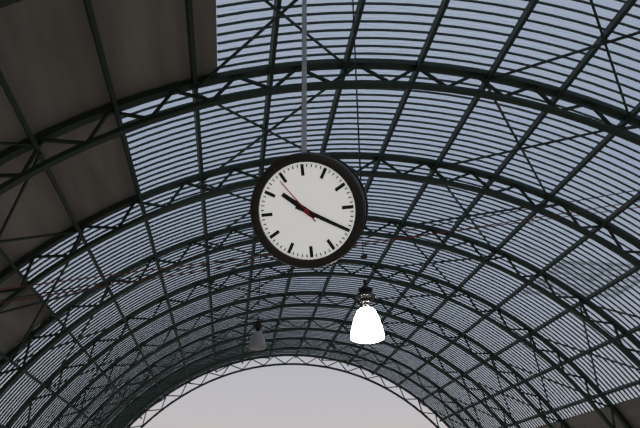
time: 10:20:54
